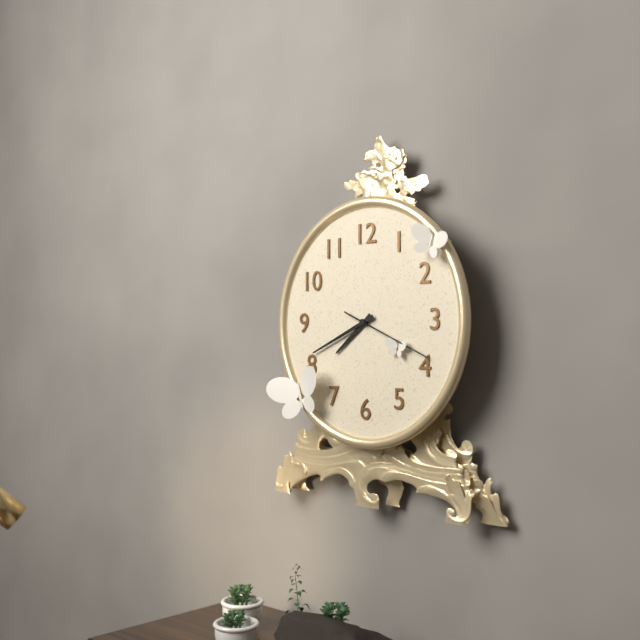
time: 7:41:19
